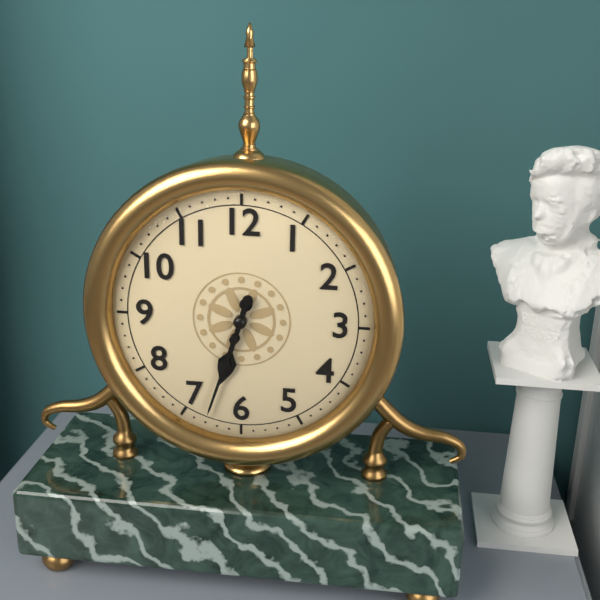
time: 6:33
